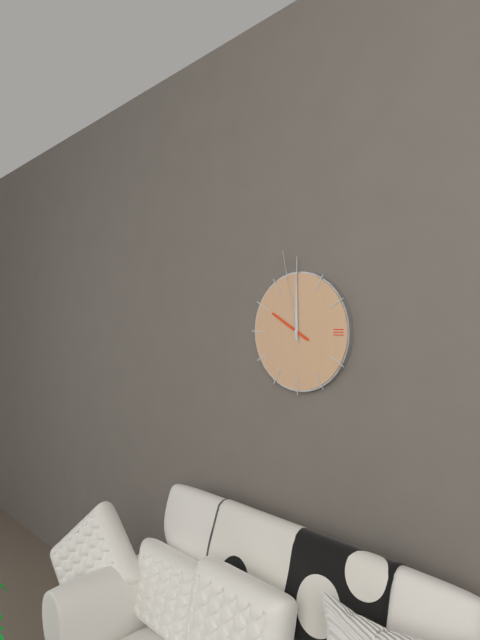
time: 10:00:58
